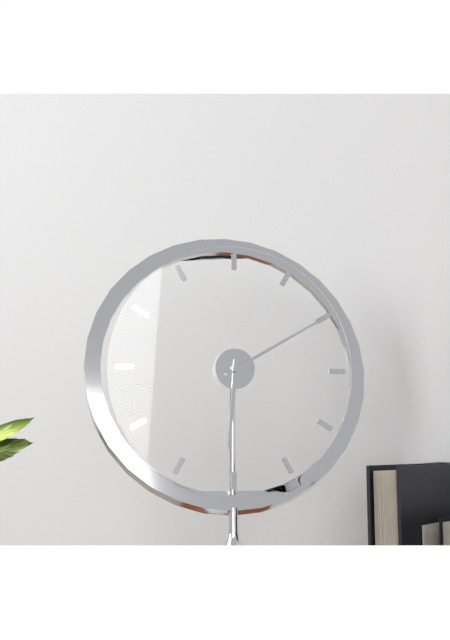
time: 6:10
